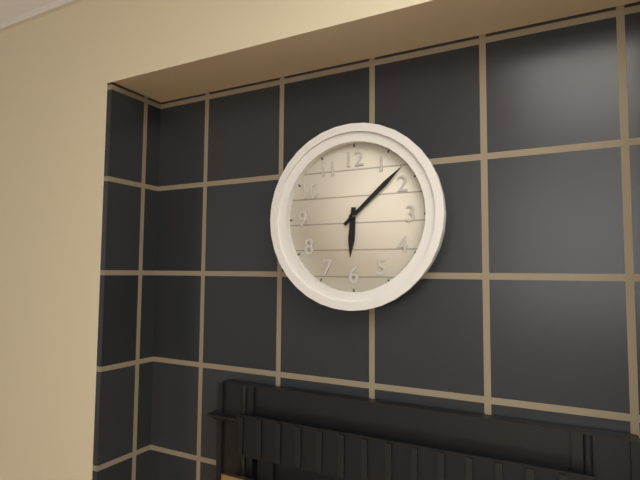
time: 6:08
